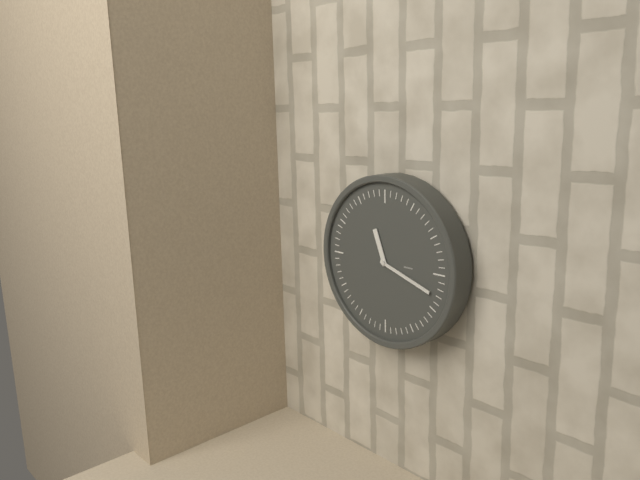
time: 11:18
